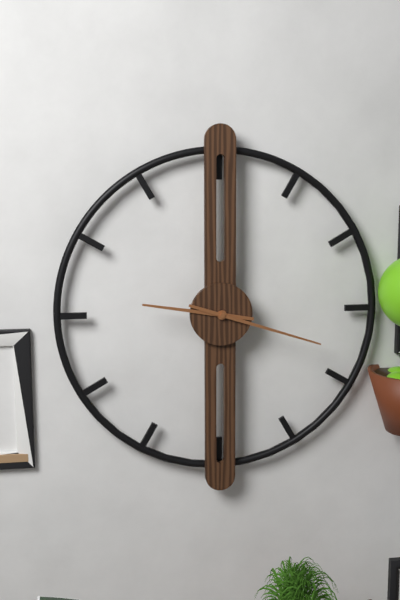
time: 9:18
